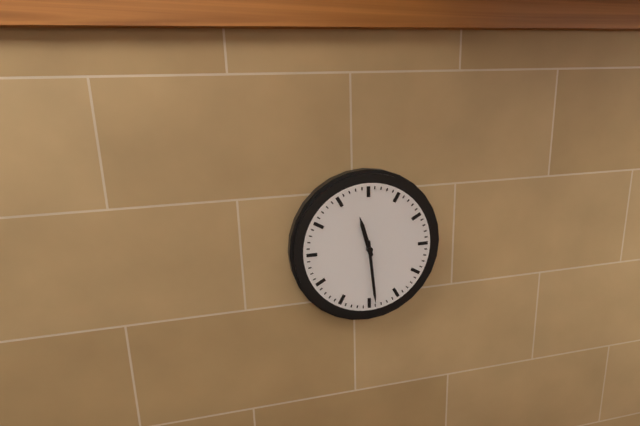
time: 11:29
